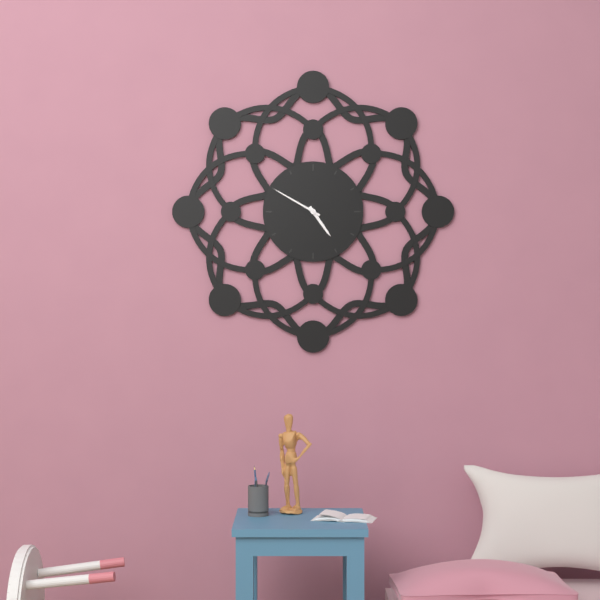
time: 4:50
